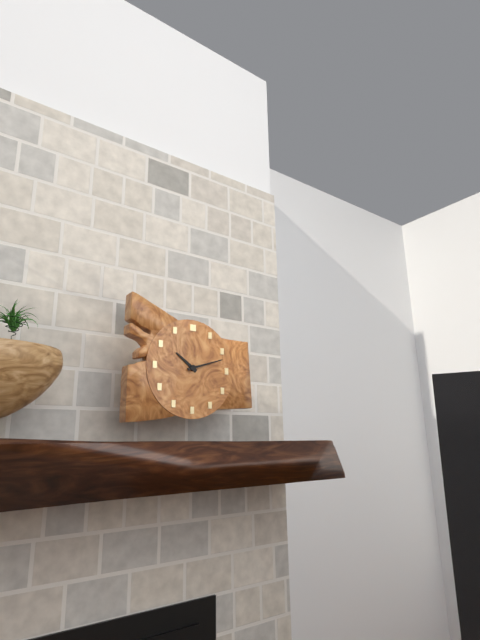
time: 10:12
